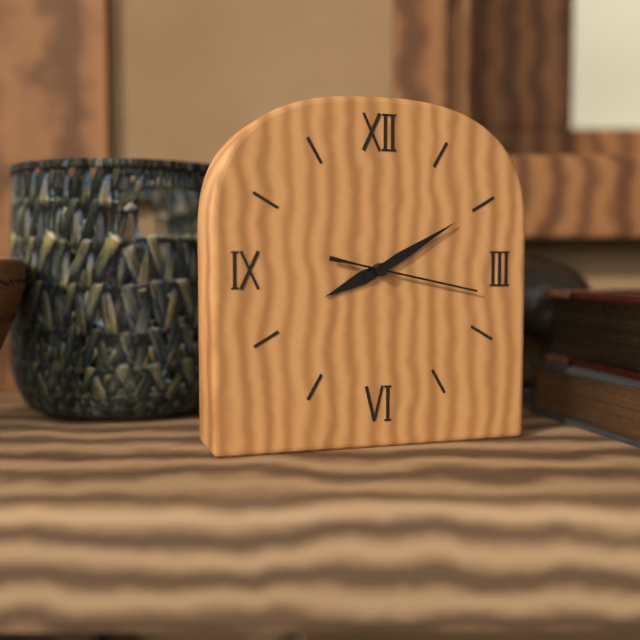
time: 8:10:17
